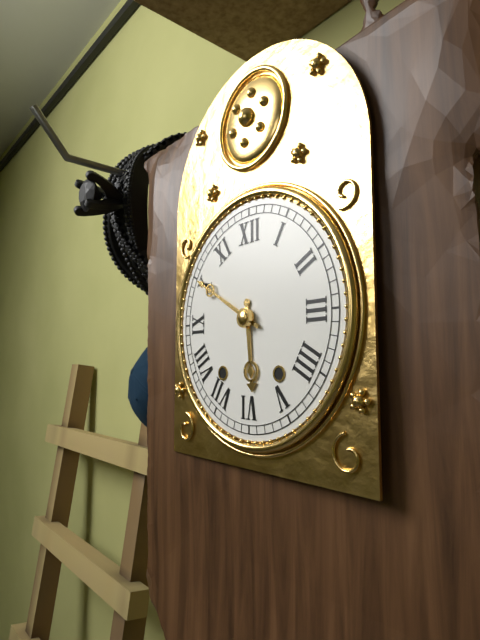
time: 5:50
